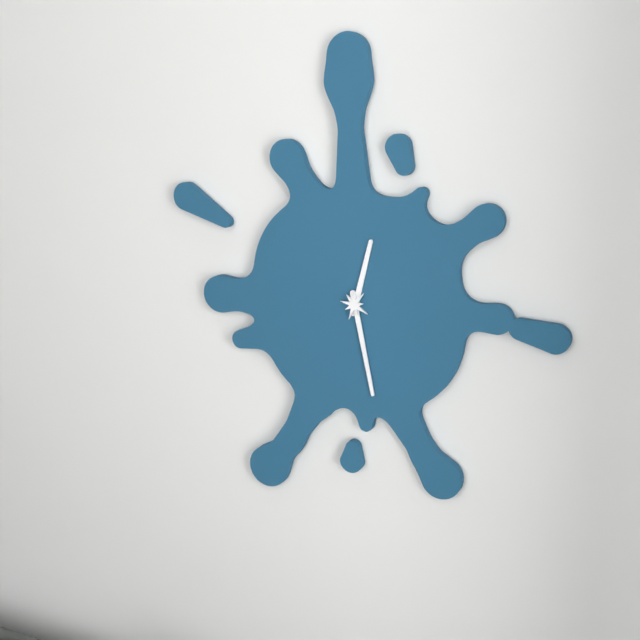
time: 12:28
